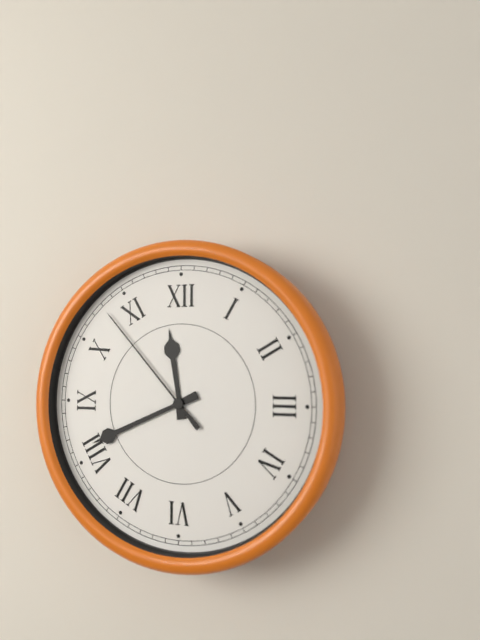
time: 11:41:53
